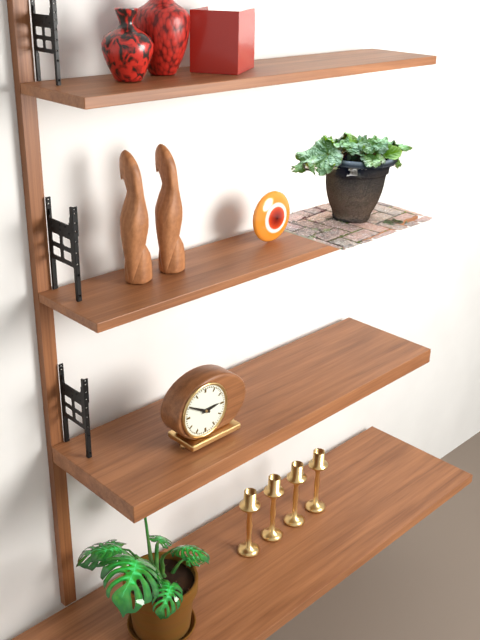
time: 2:50
